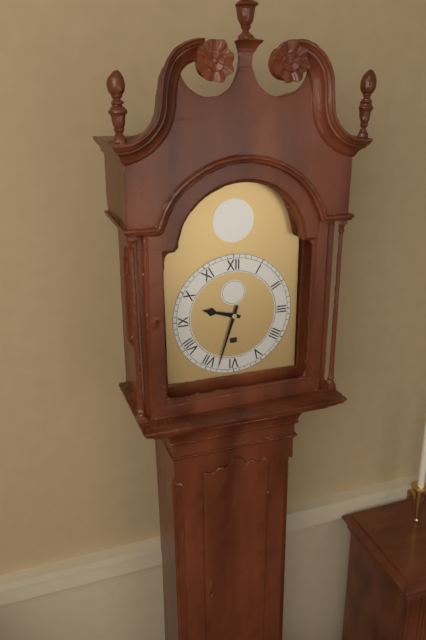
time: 9:33
